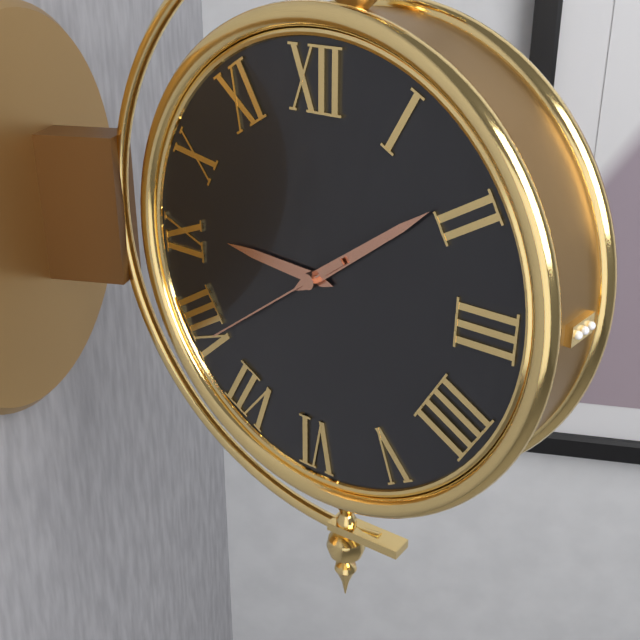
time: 9:09:39
